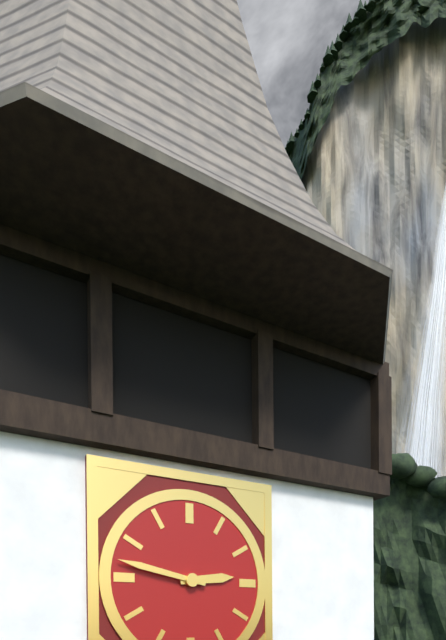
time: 2:47
